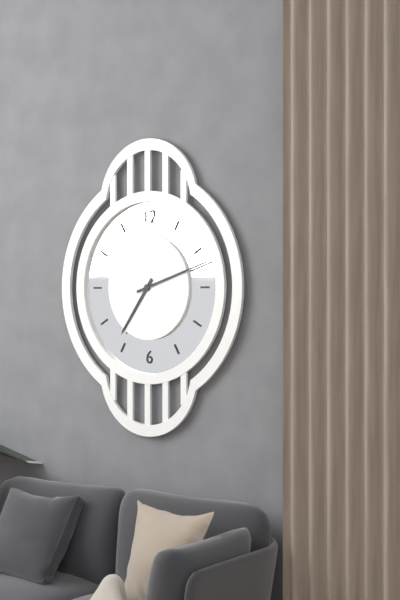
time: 7:12
